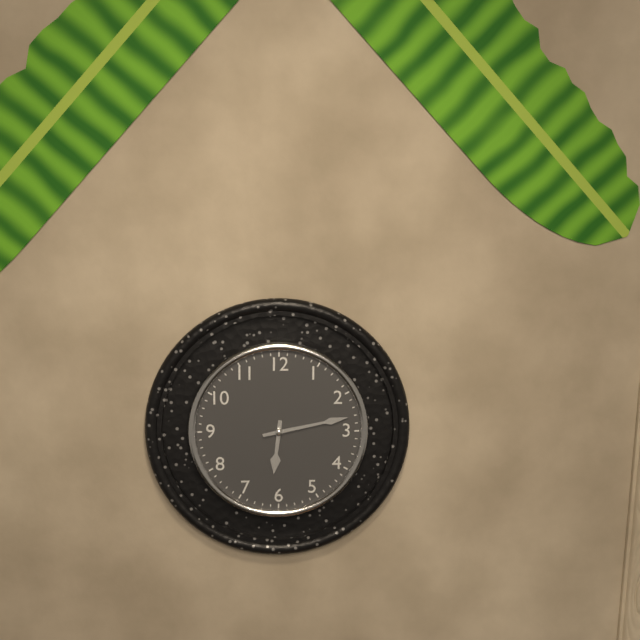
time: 6:13
